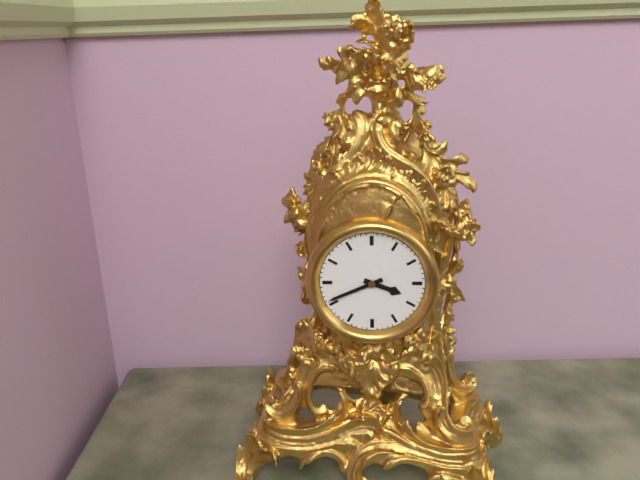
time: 3:41
